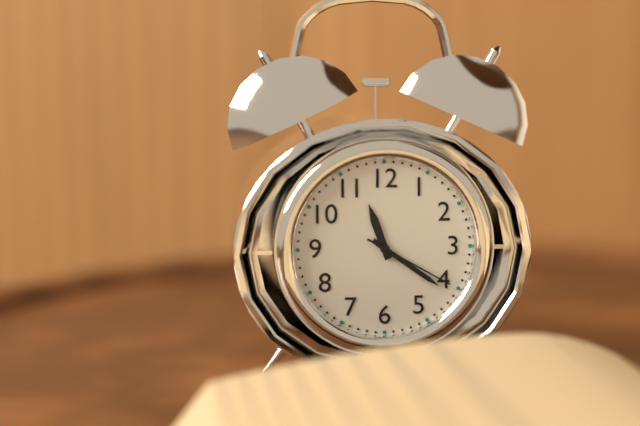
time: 11:21:20
